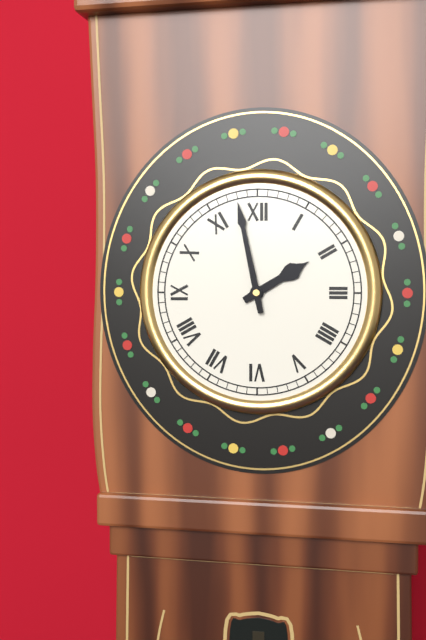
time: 1:58
